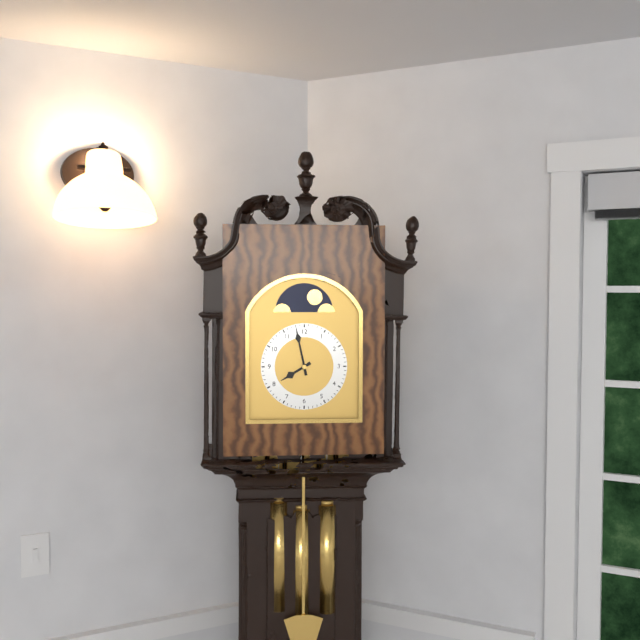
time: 7:58
